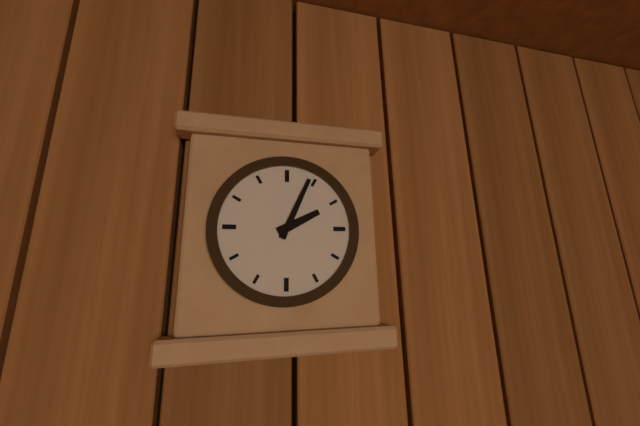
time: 2:04
